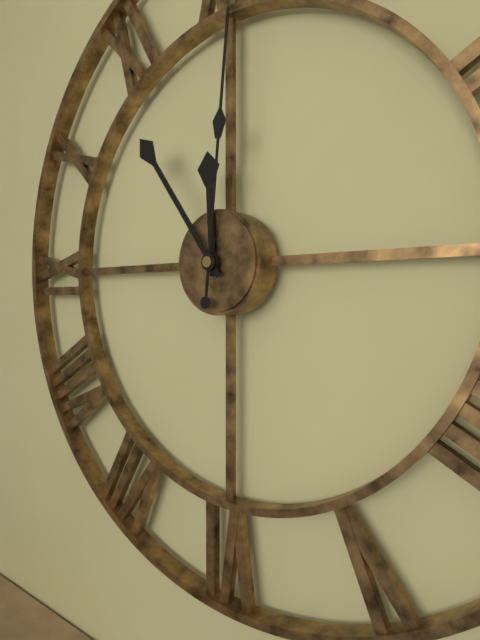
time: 11:54:01
